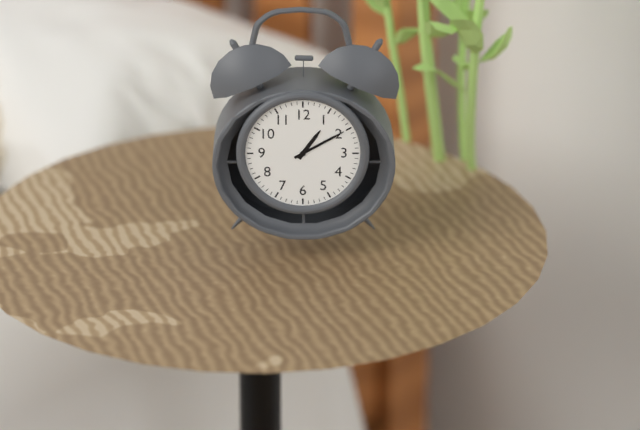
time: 1:10
